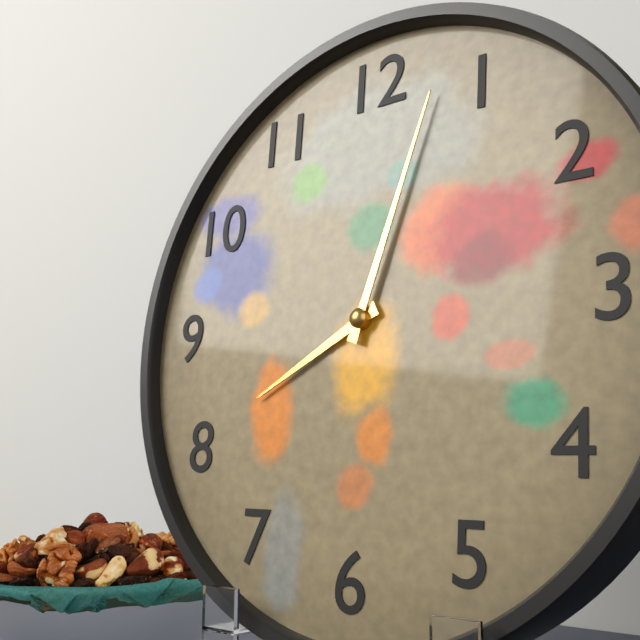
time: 8:03
